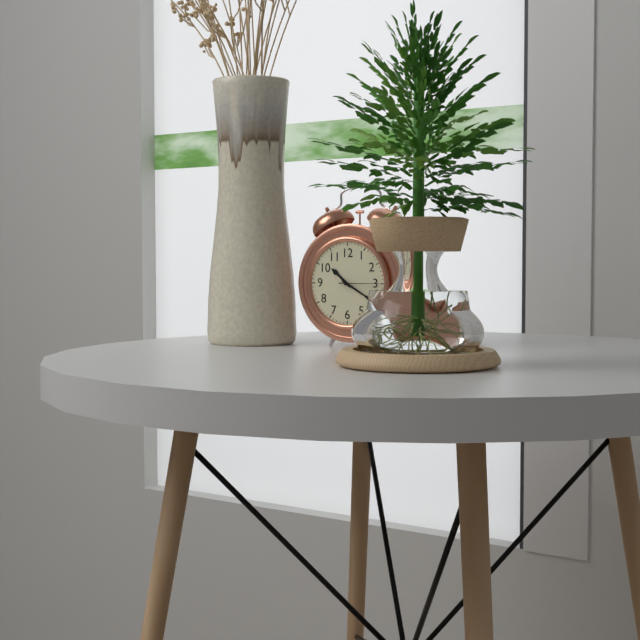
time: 10:20
